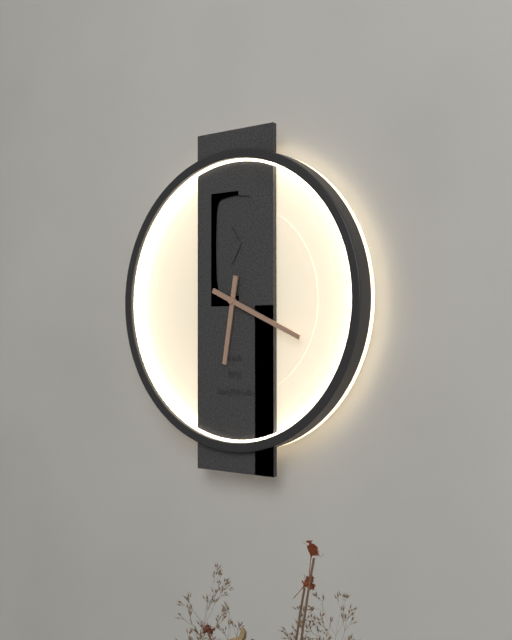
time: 6:19
